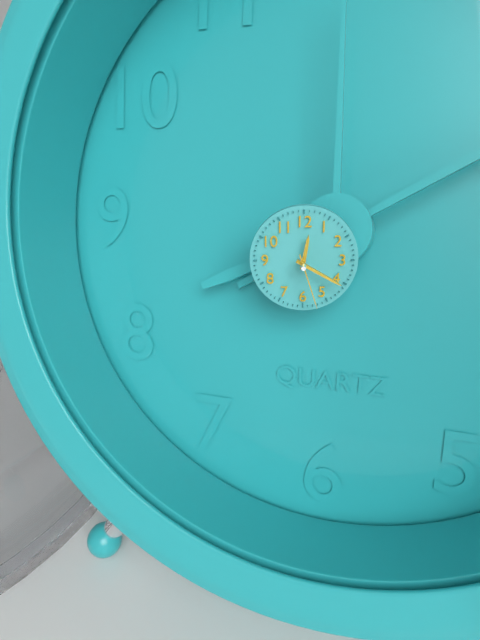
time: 12:20:27
